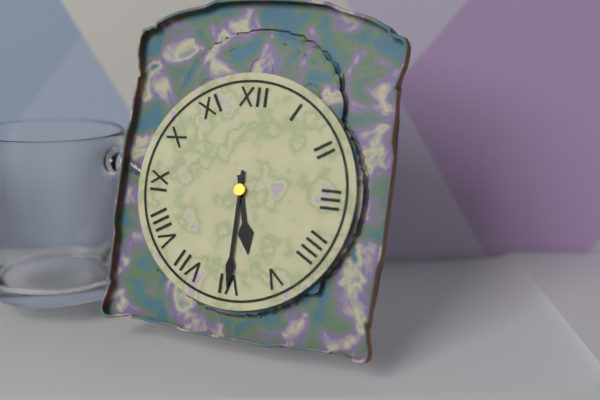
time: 5:30
